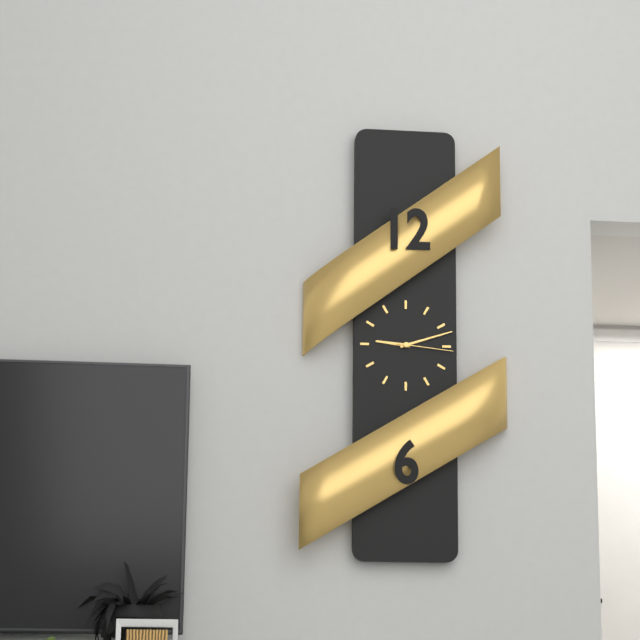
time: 9:12:16
